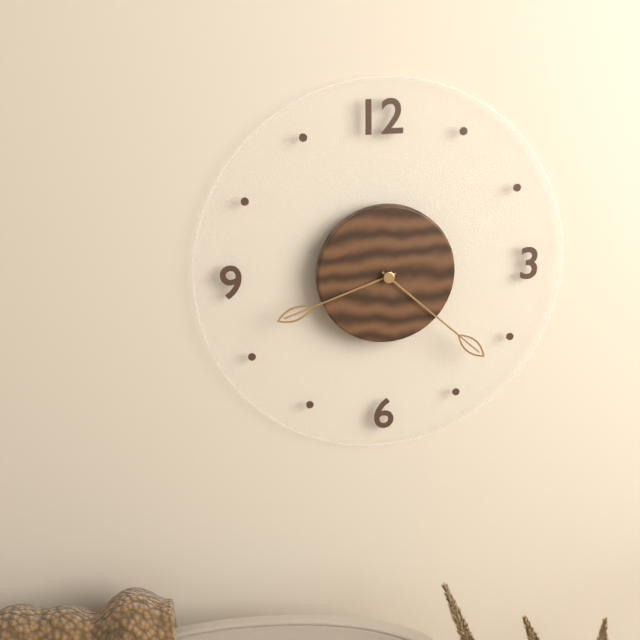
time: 8:22
